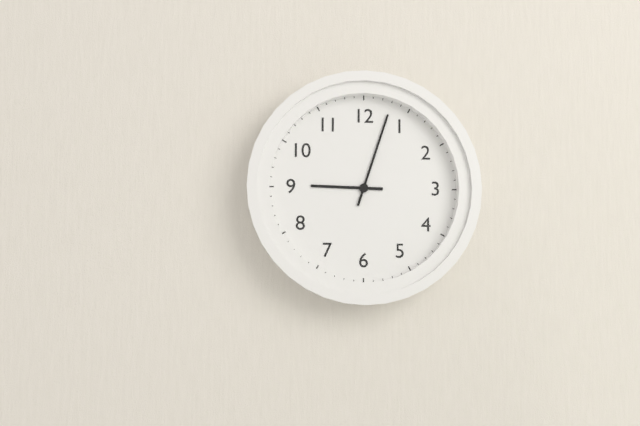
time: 9:03:03
